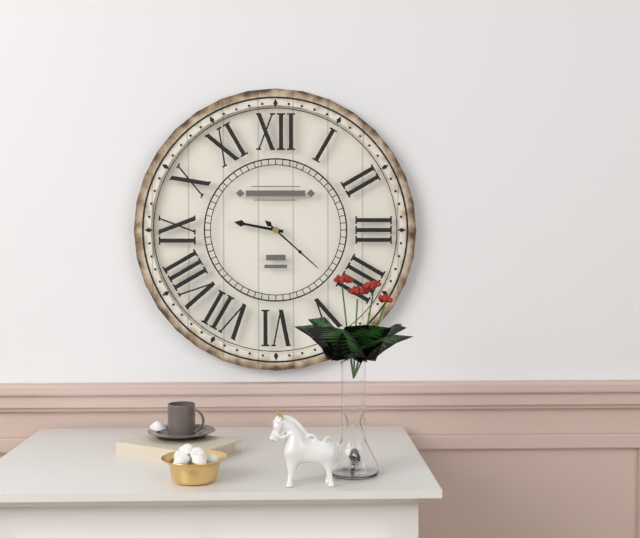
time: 9:22
